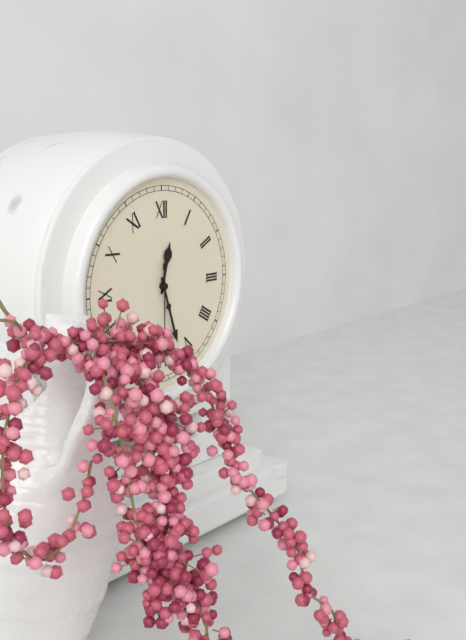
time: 12:27
